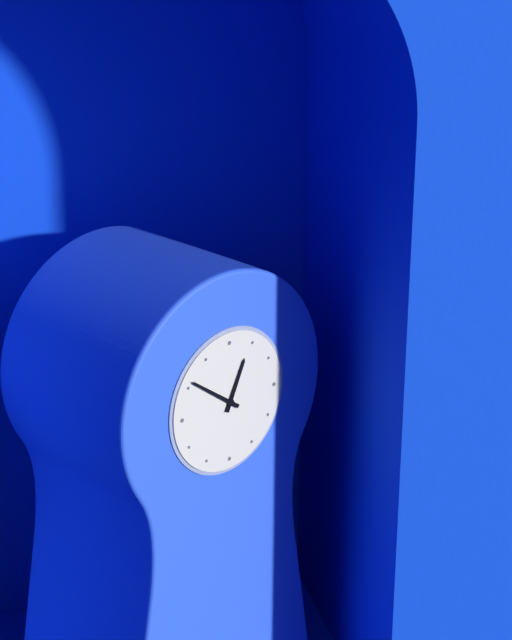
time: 12:51
